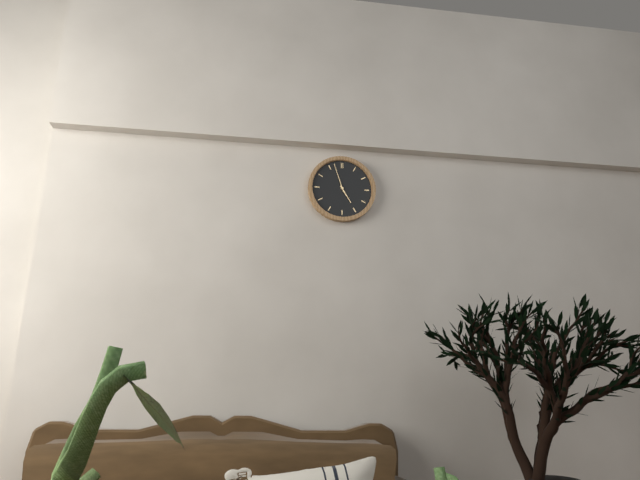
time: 4:57
